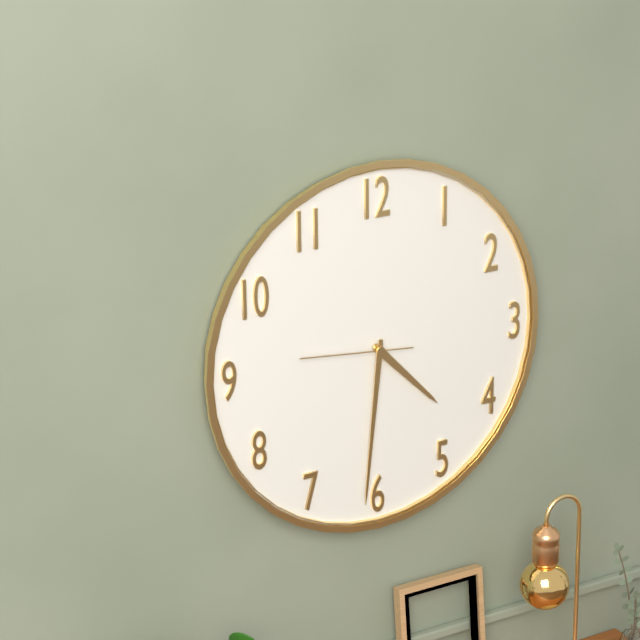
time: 4:31:46
